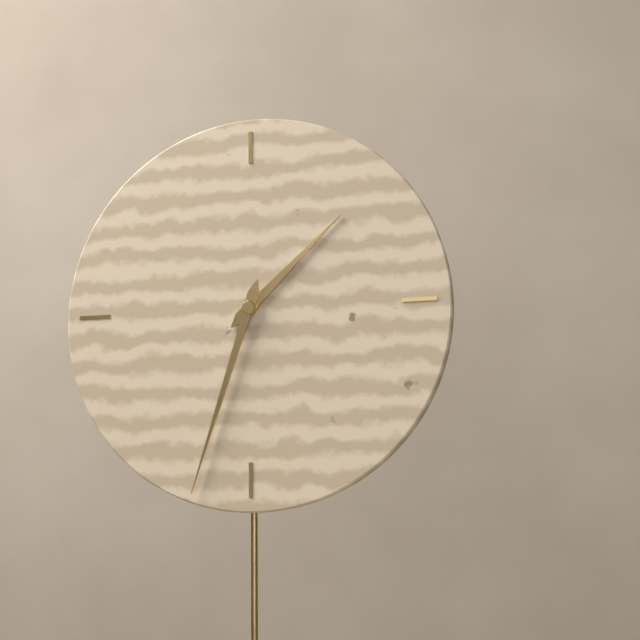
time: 1:33
